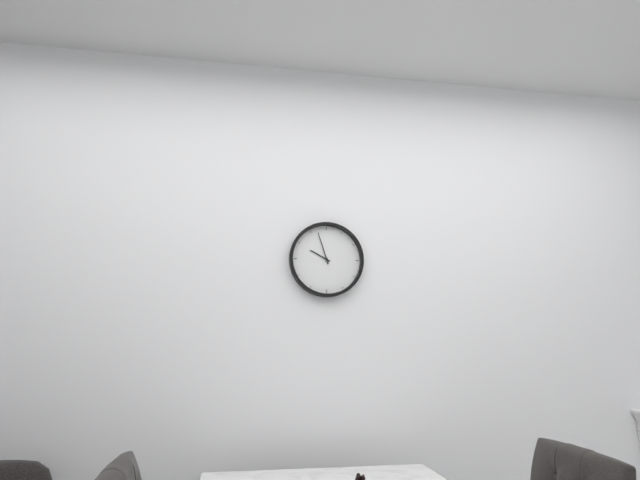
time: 9:57
